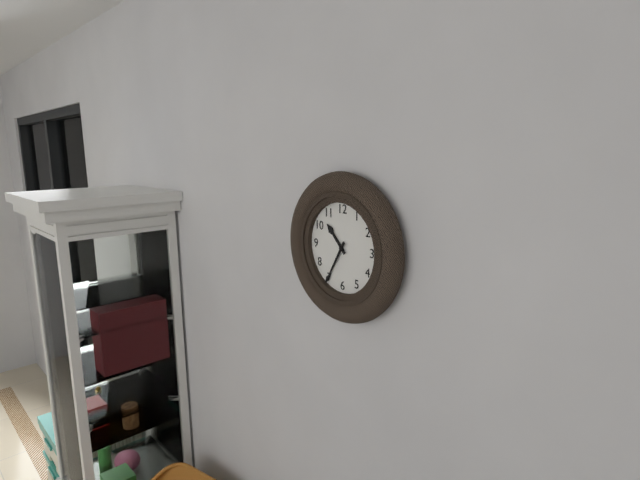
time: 10:35
